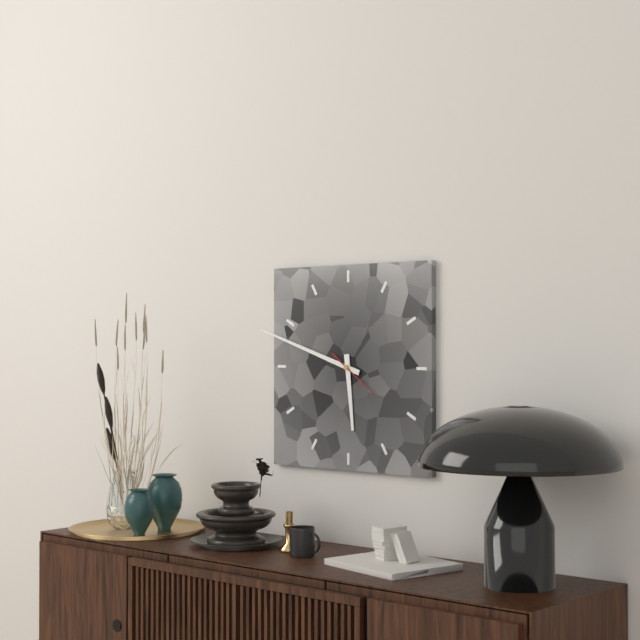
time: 5:48
